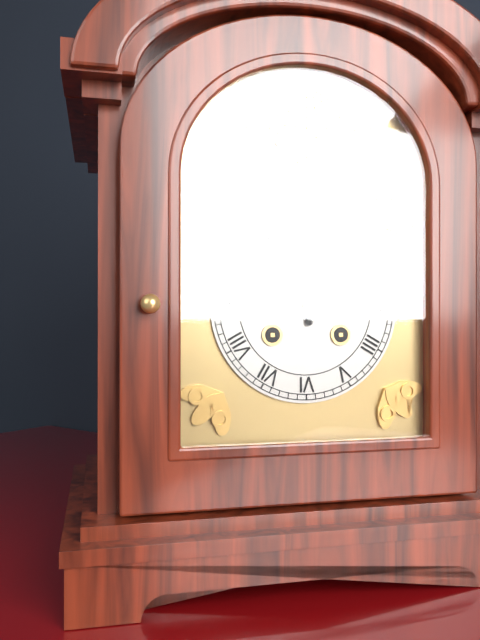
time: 11:59
